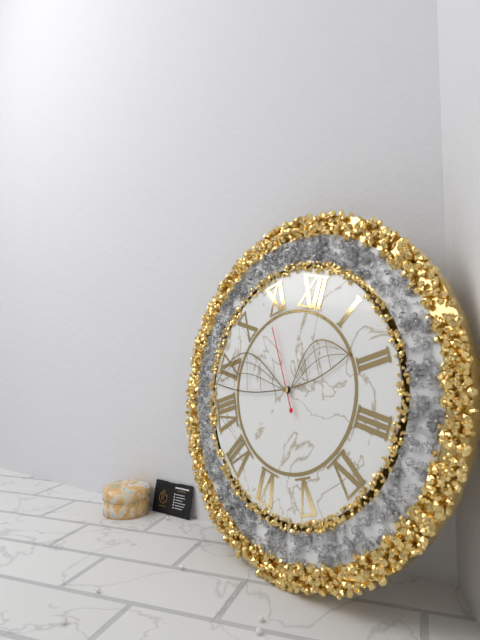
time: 1:43:54
